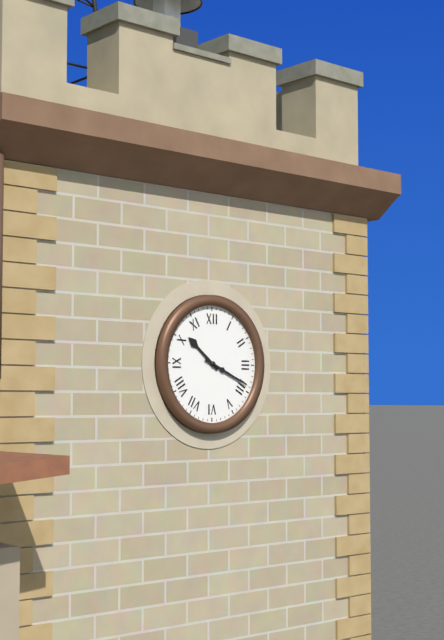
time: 10:19
